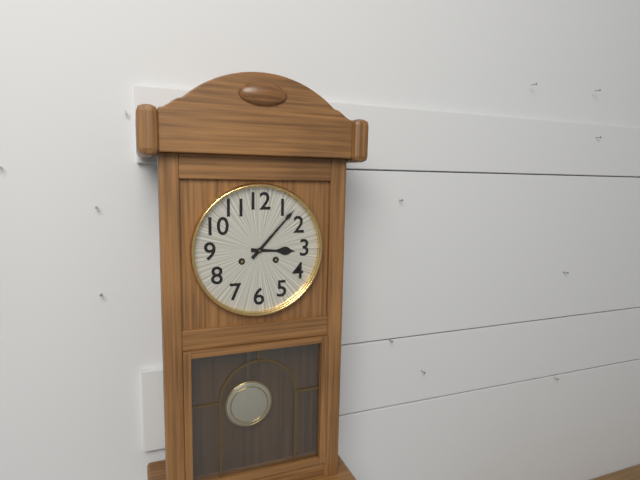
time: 3:07
